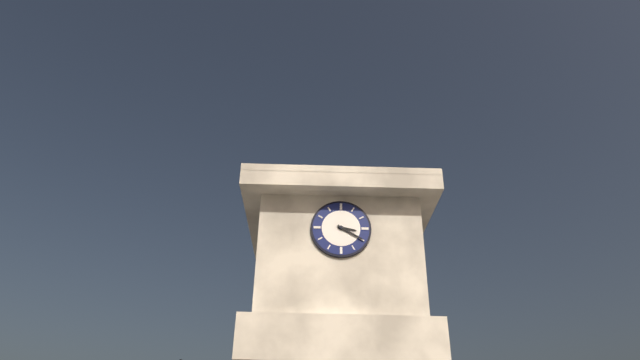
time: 3:20
